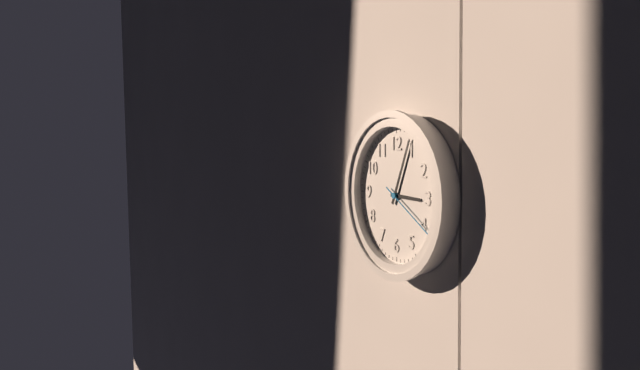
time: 3:04:20
